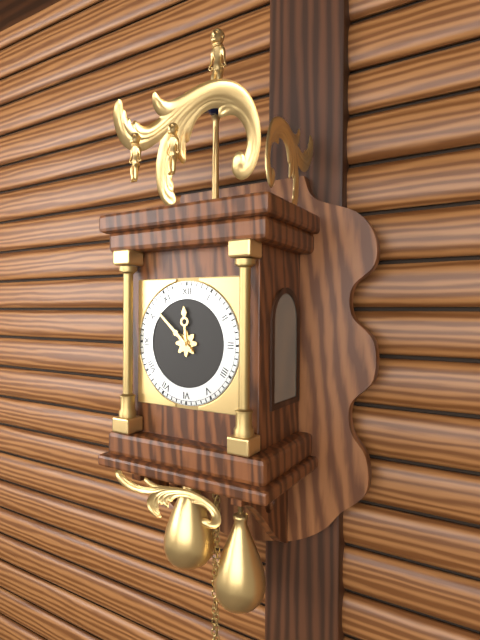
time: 11:52
